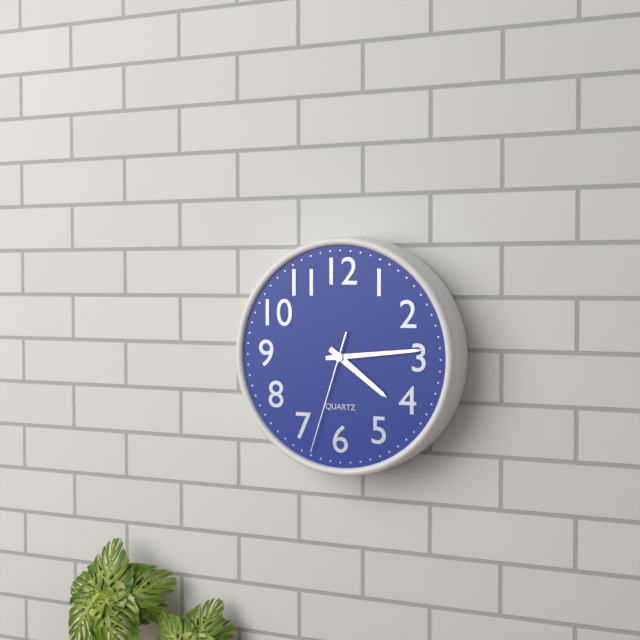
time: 4:14:33
